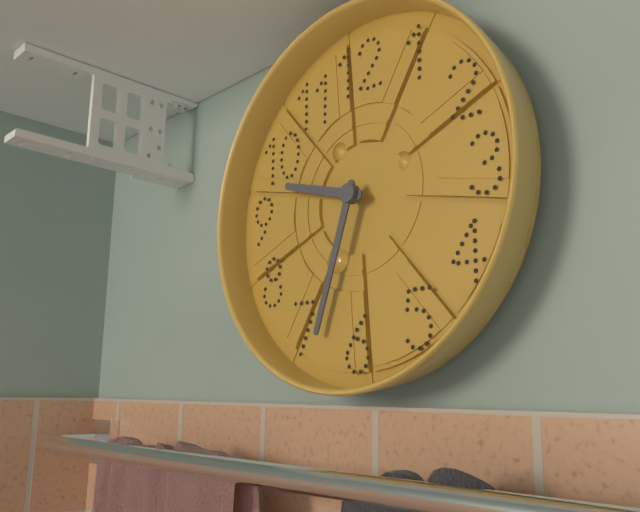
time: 9:33
